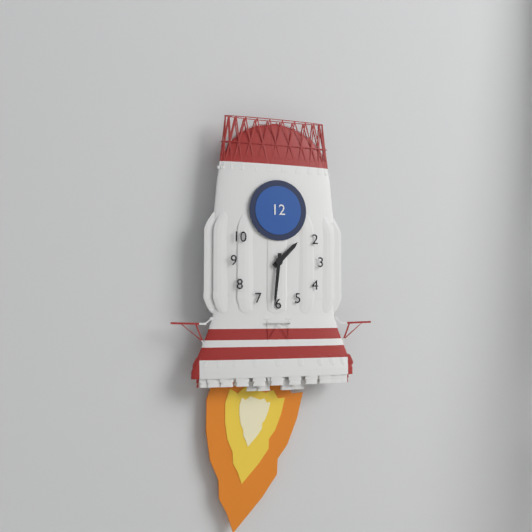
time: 1:31
